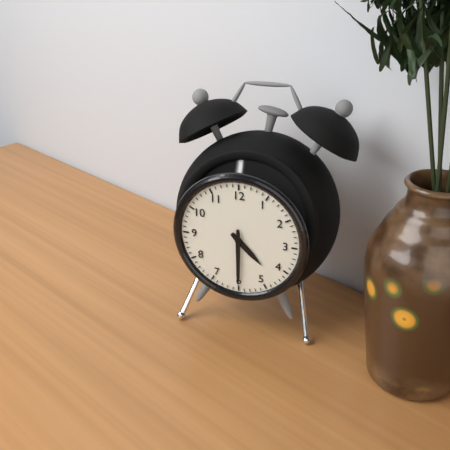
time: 4:30
